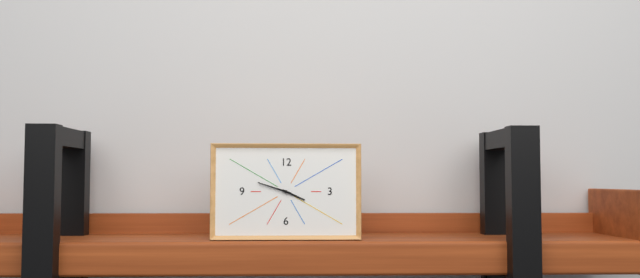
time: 3:48
